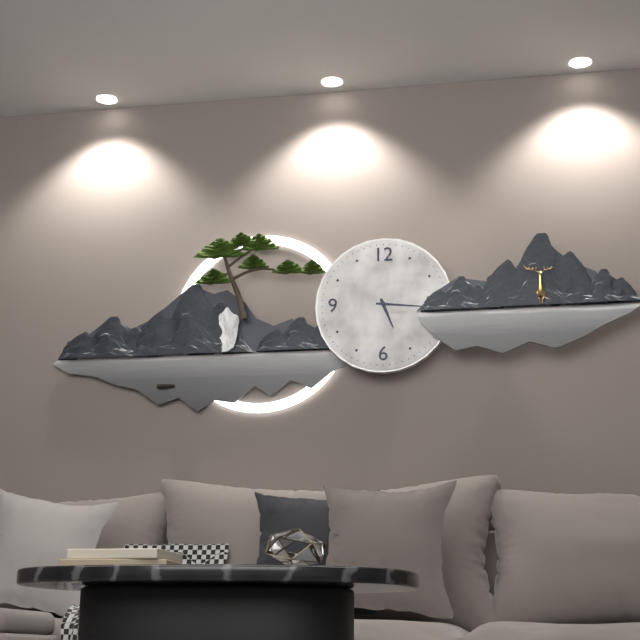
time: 5:16
